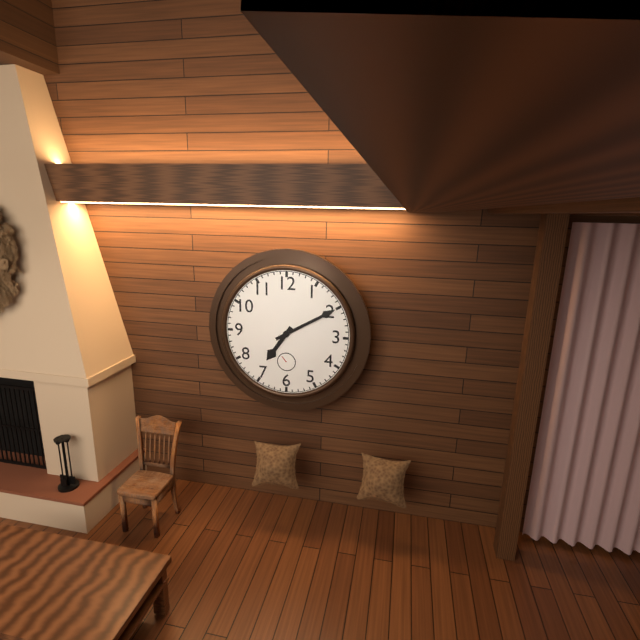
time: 7:10
